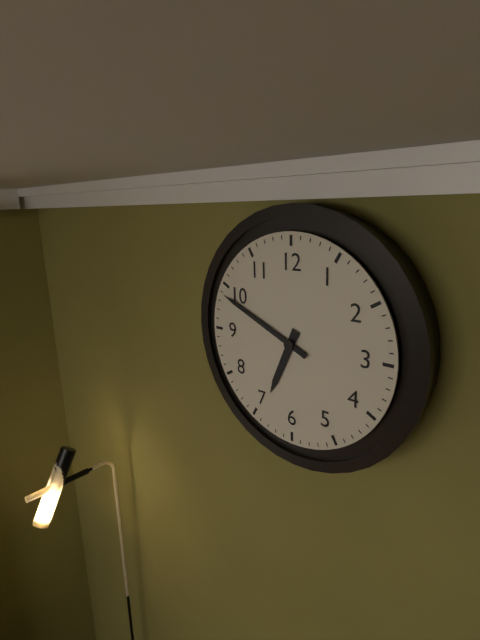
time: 6:49
